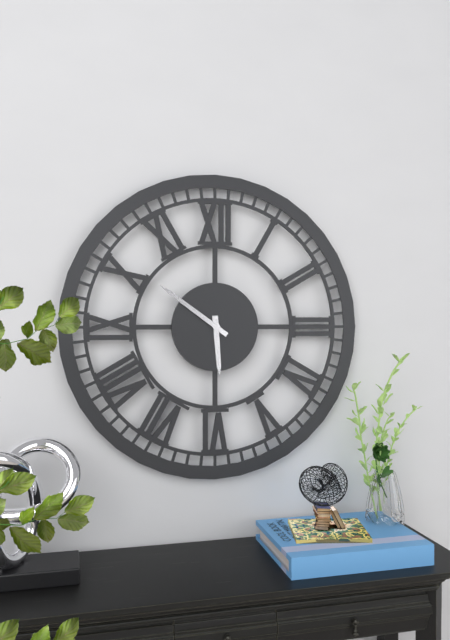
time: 5:51
